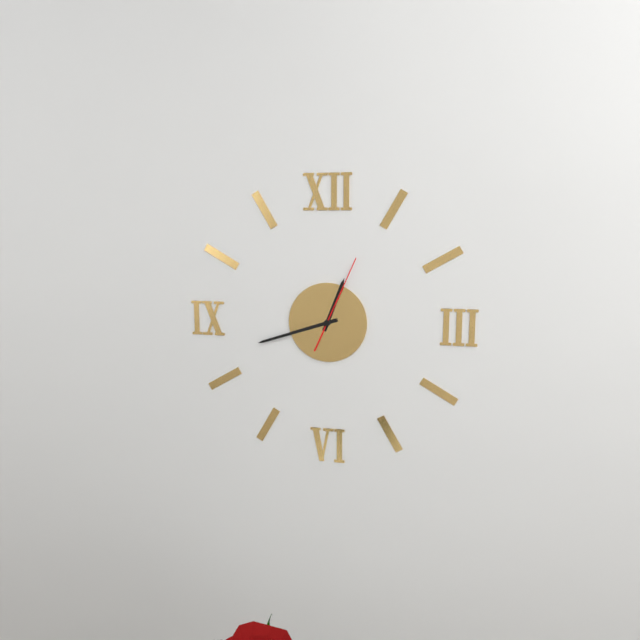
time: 12:42:04
